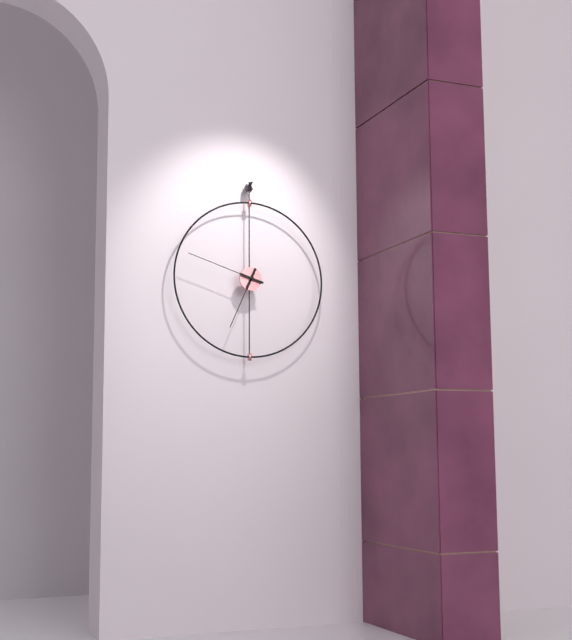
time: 6:48
